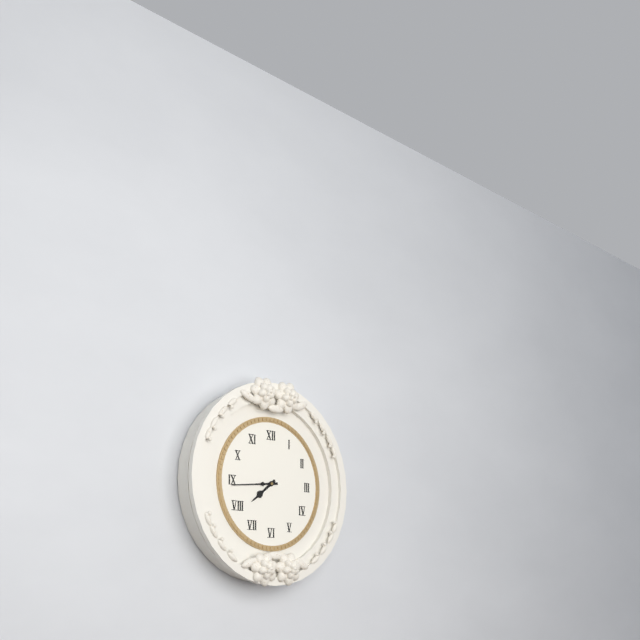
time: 7:44
